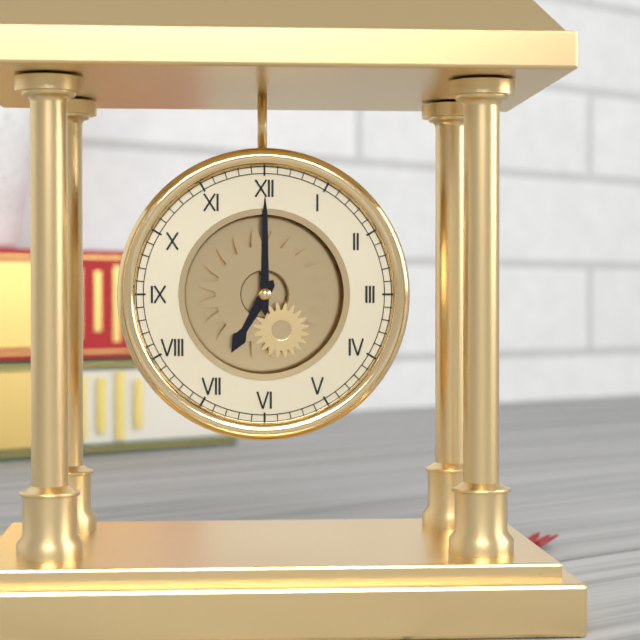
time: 7:00
